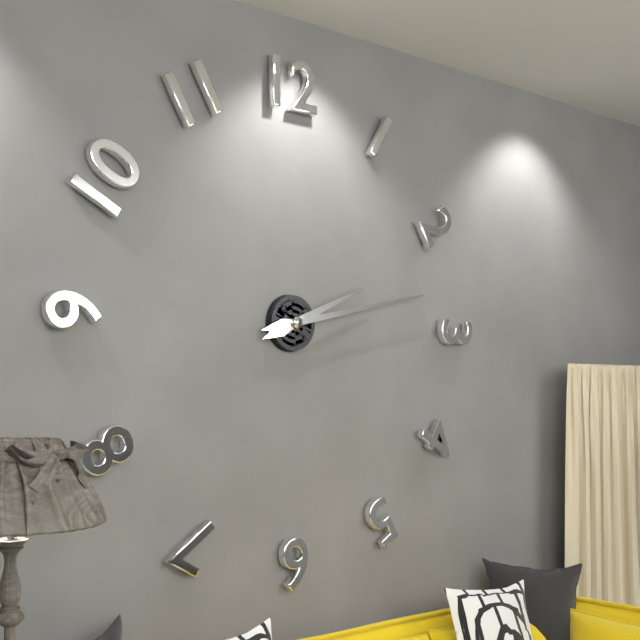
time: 2:13
